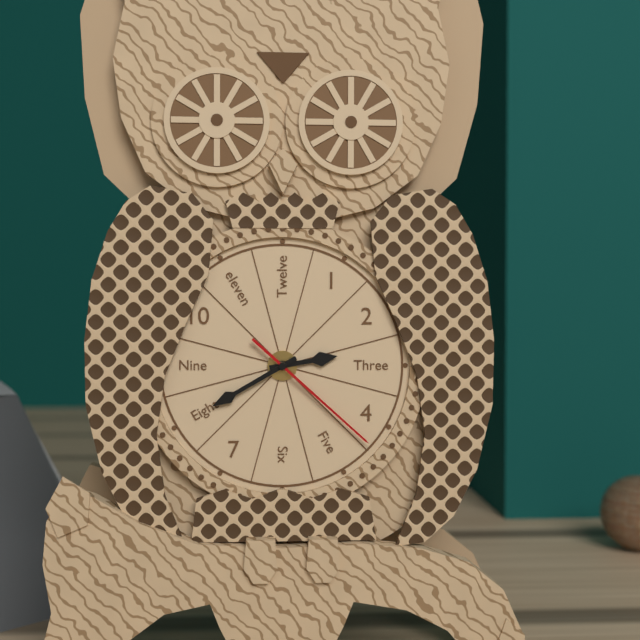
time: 2:40:22
